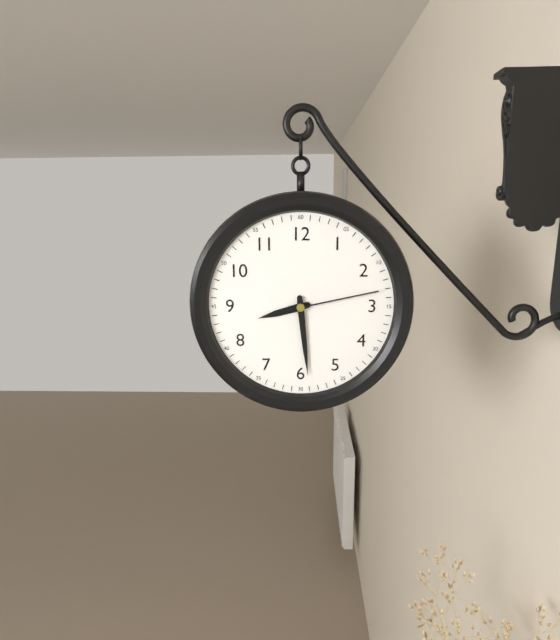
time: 8:29:13
